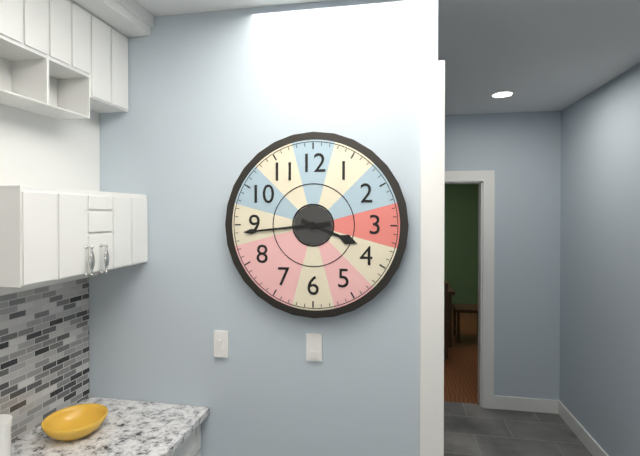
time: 3:44
